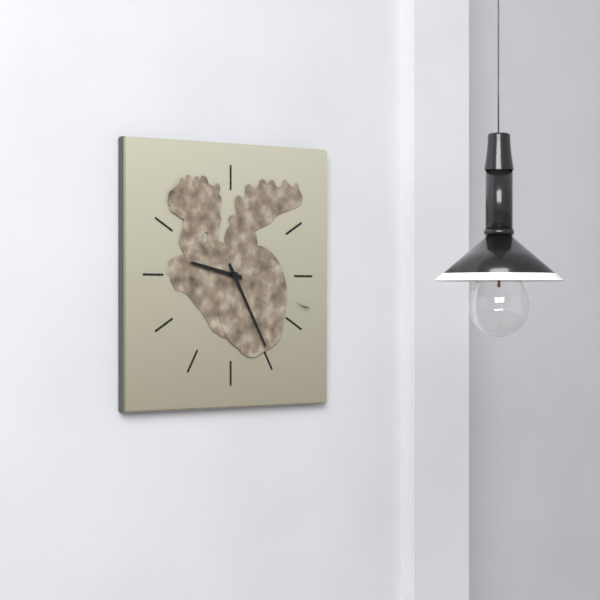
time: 9:25
